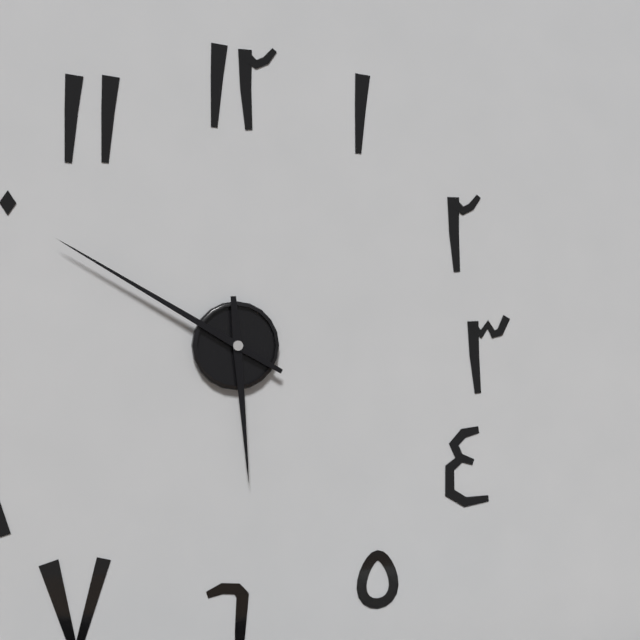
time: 5:50
